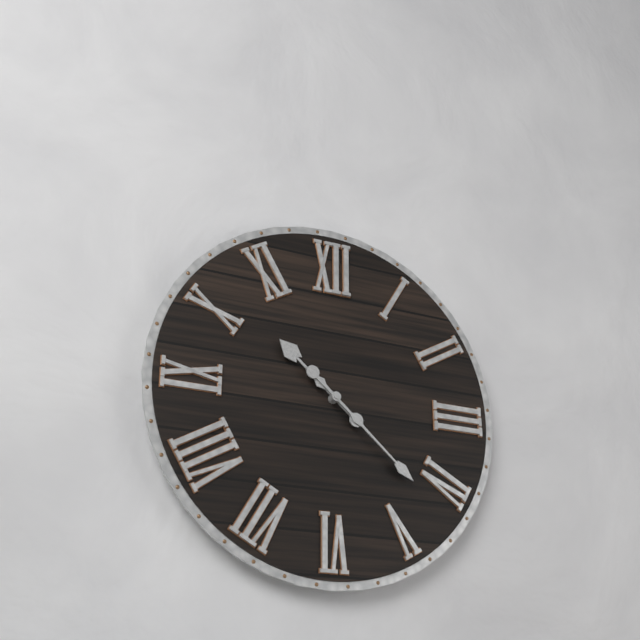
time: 10:22
